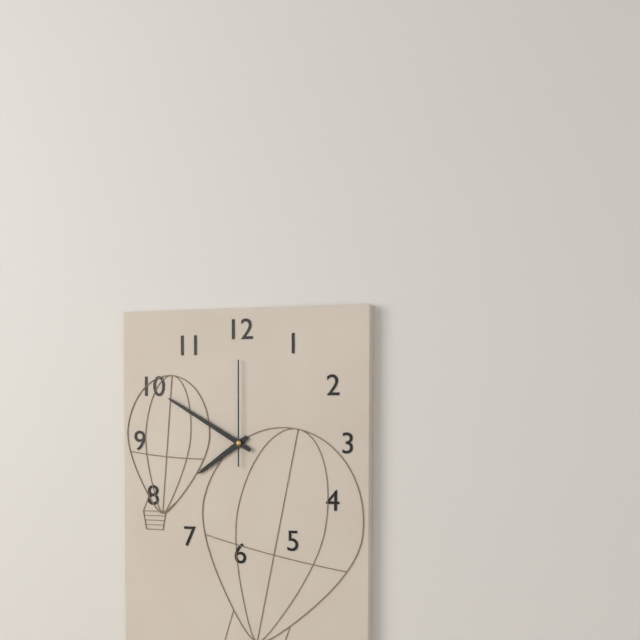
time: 7:50:00
